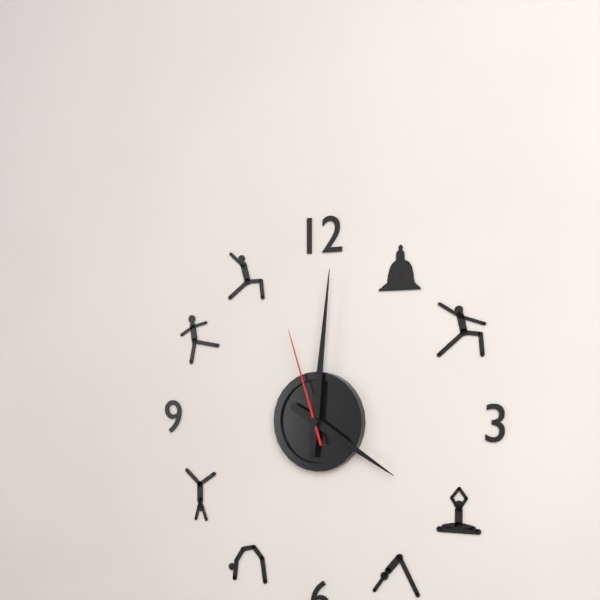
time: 4:01:57
